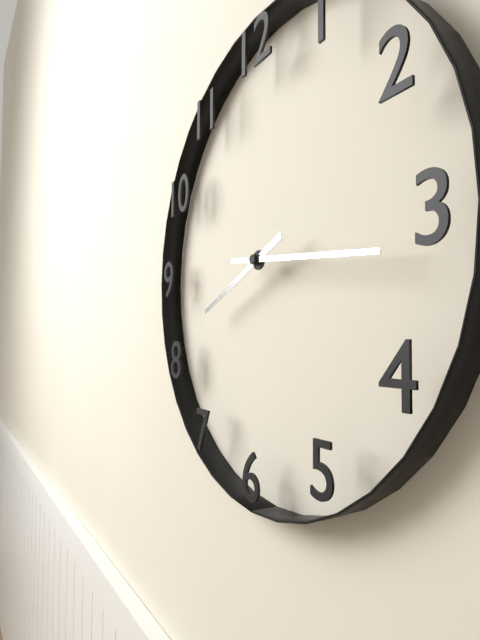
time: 8:16
